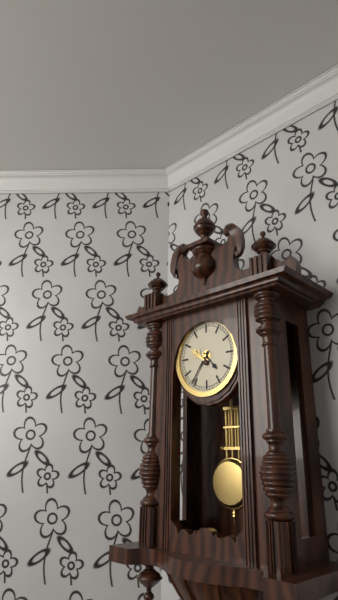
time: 4:36
